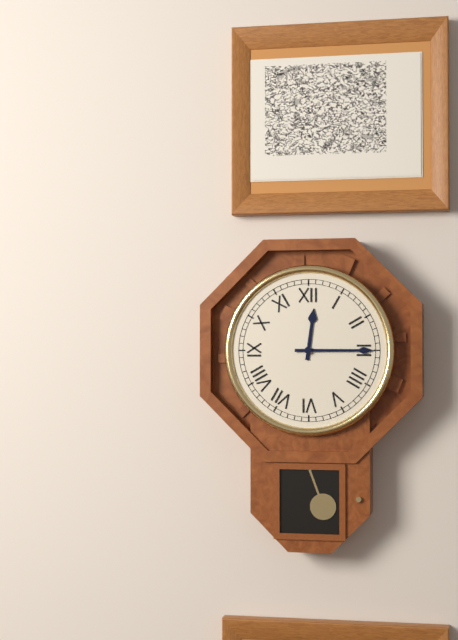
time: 12:15
